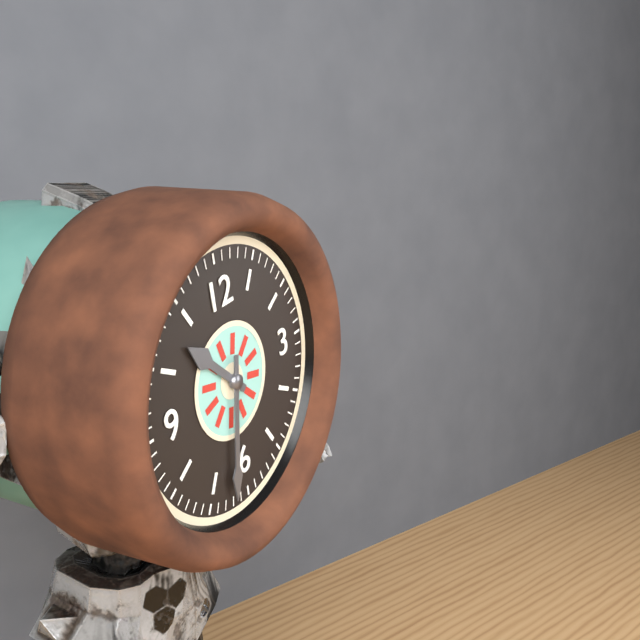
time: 10:32
